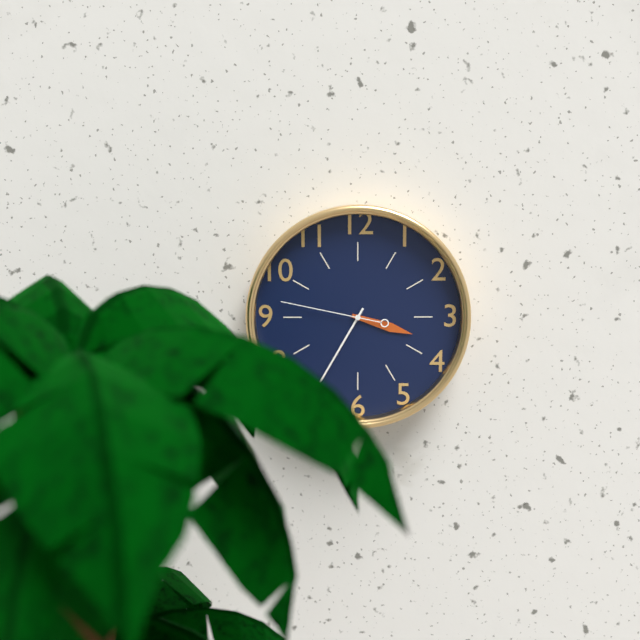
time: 3:35:47
